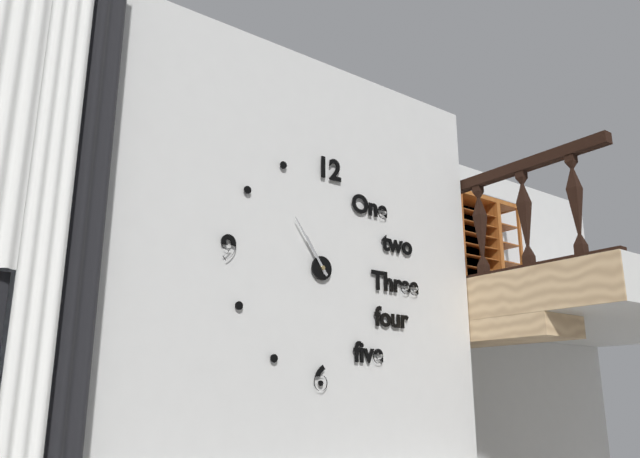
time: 10:54
